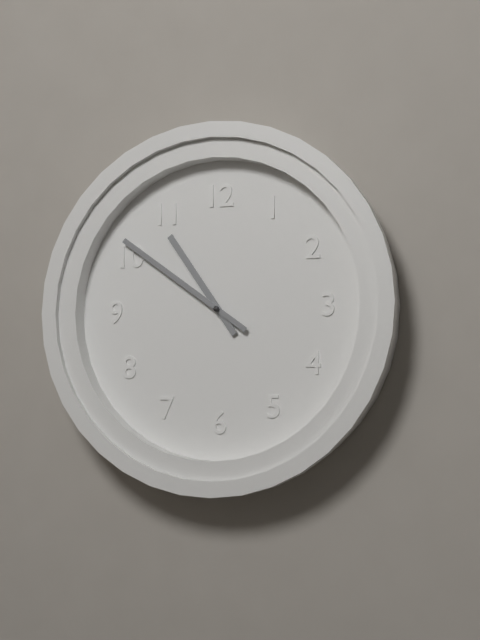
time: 10:51
